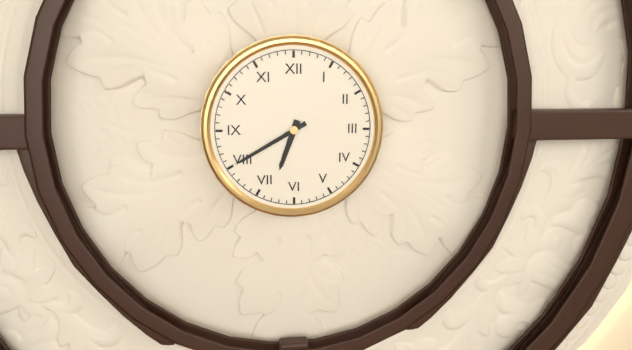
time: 6:40
